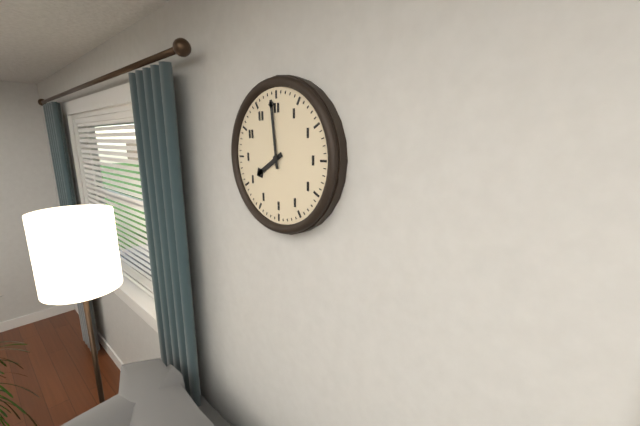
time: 7:59
